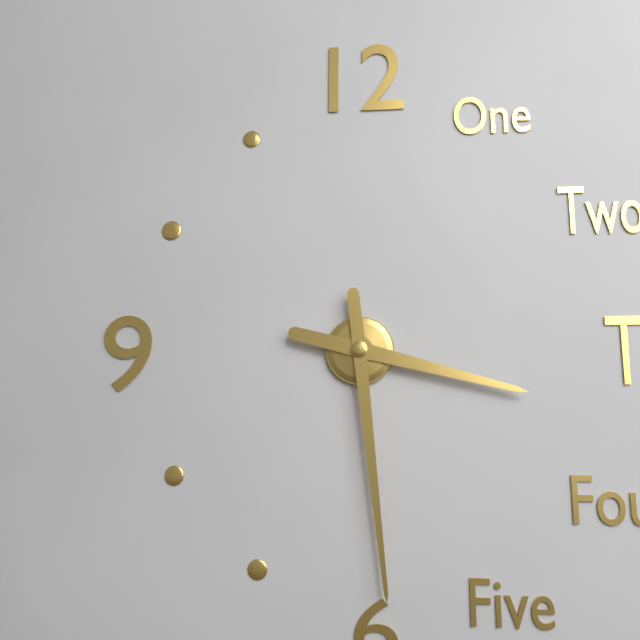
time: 3:29
